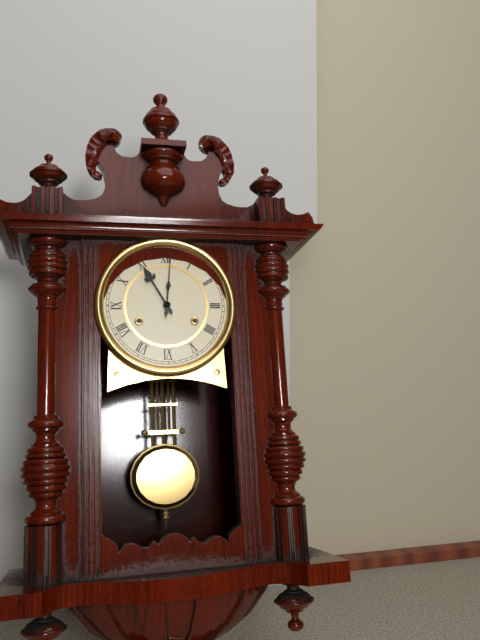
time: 11:01
